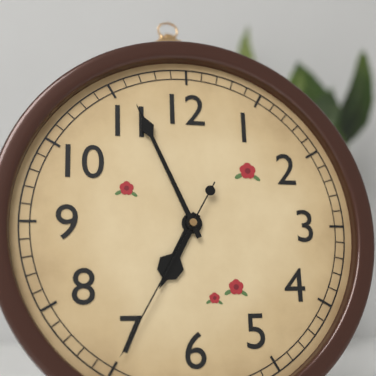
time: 6:56:35
